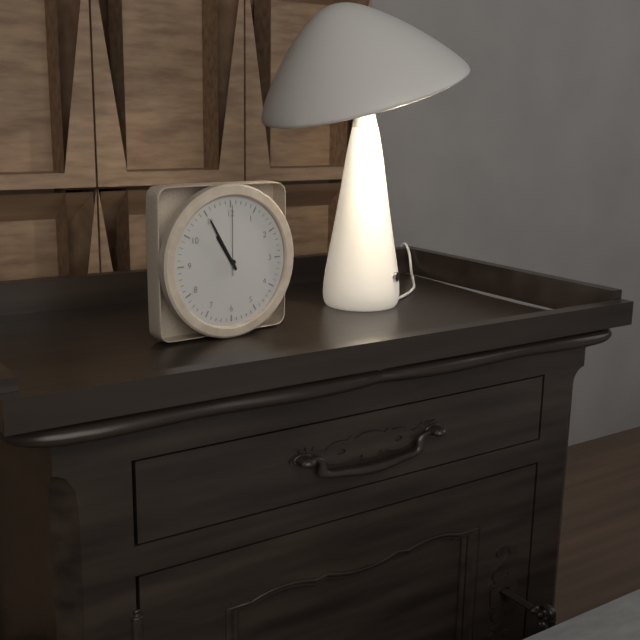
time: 10:55:00
